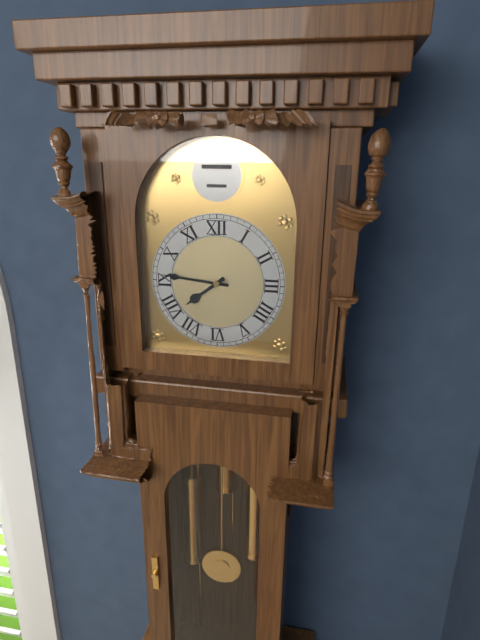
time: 7:46
